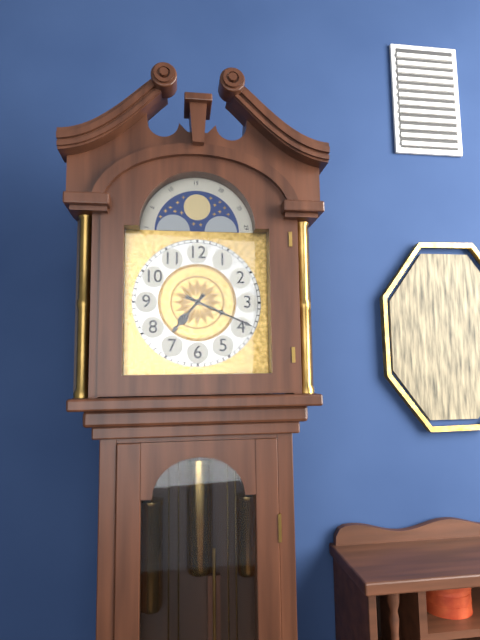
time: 7:19
